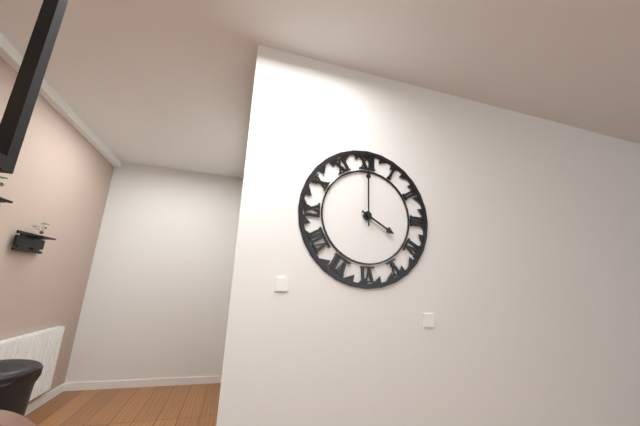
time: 4:00
